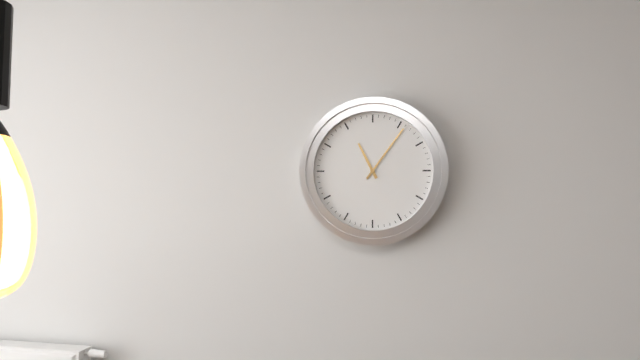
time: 11:06
